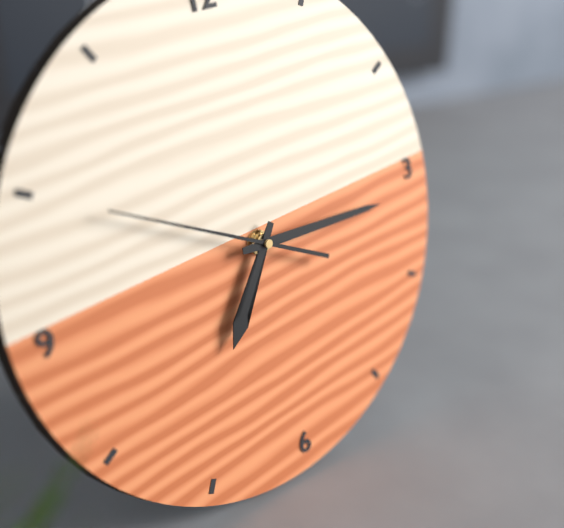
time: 7:16:50
